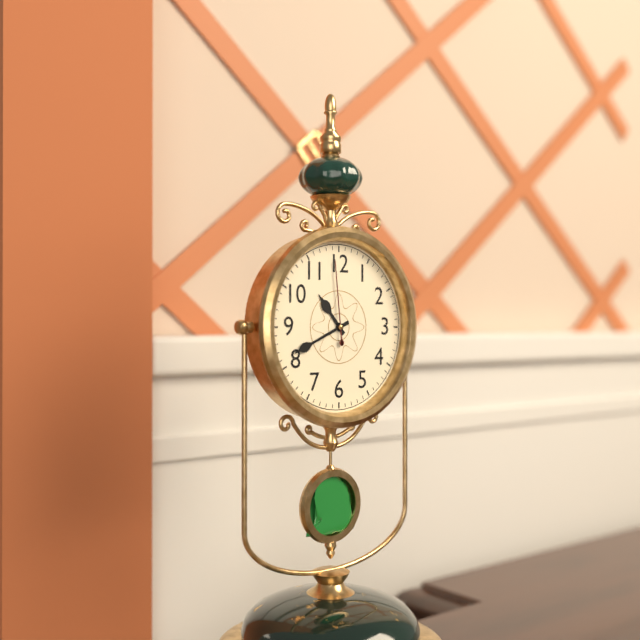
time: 10:41:59
